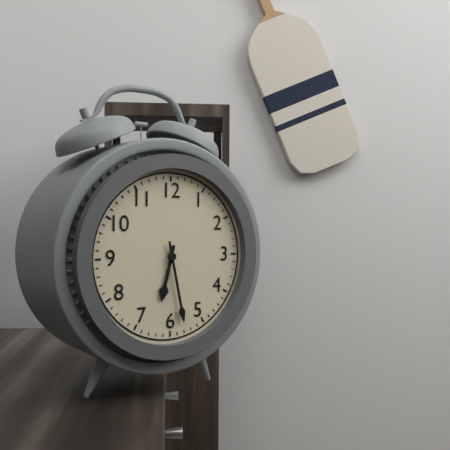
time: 6:28
